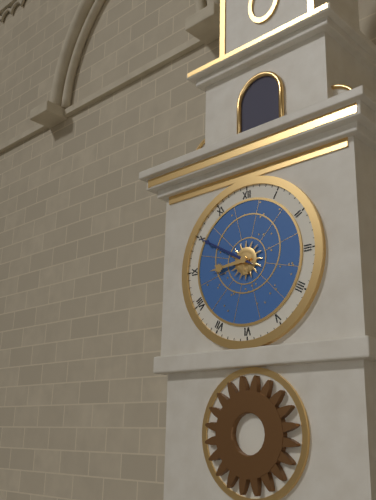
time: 8:50
